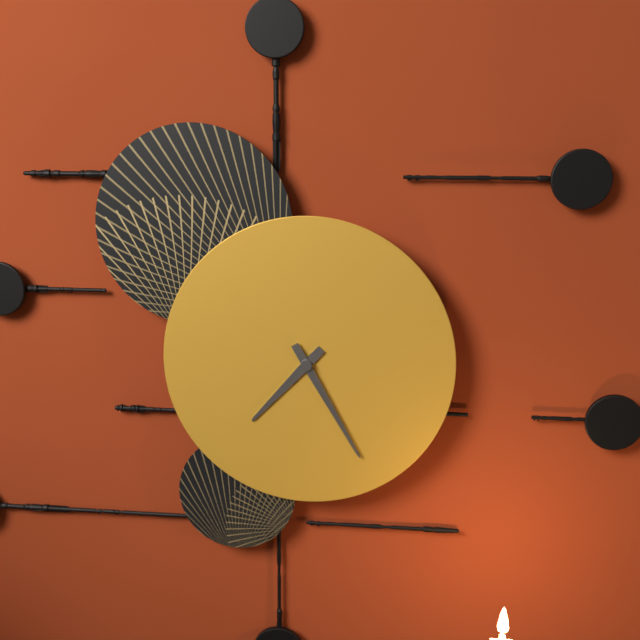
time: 7:25
